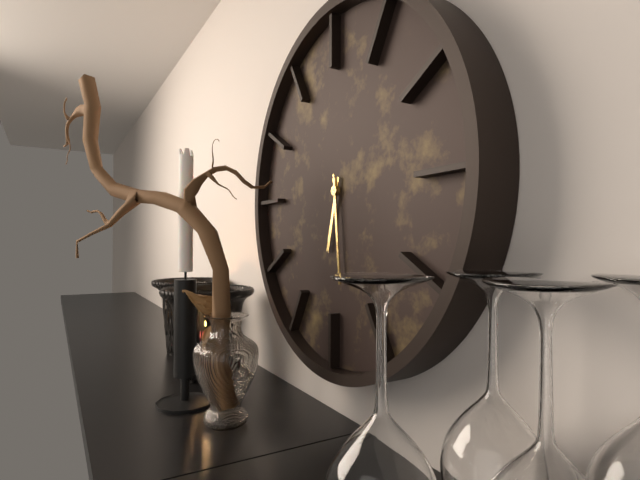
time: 6:29
